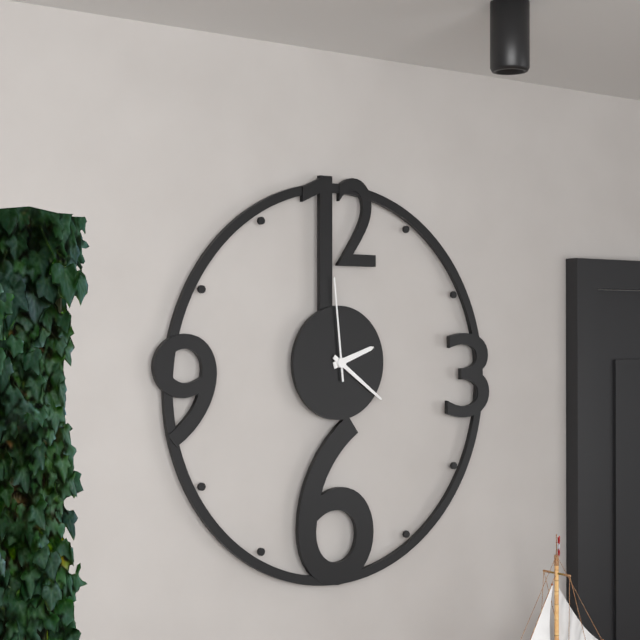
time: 2:21:59
